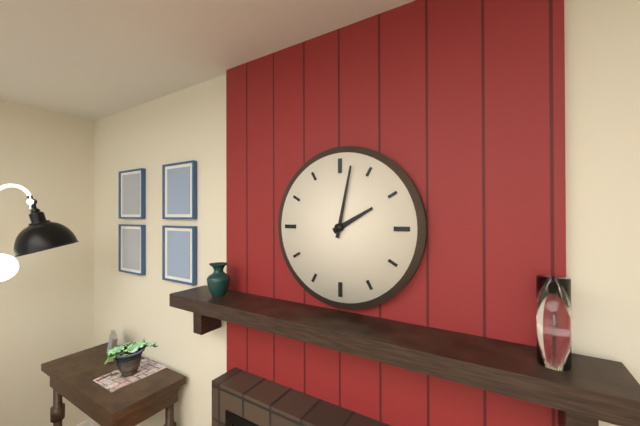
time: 2:02
